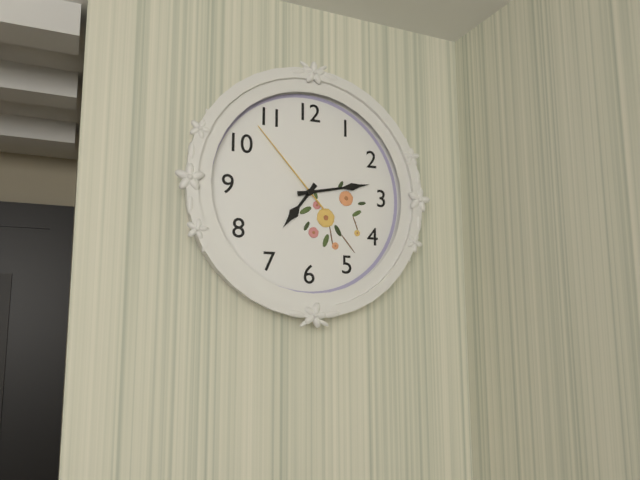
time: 7:13:53
